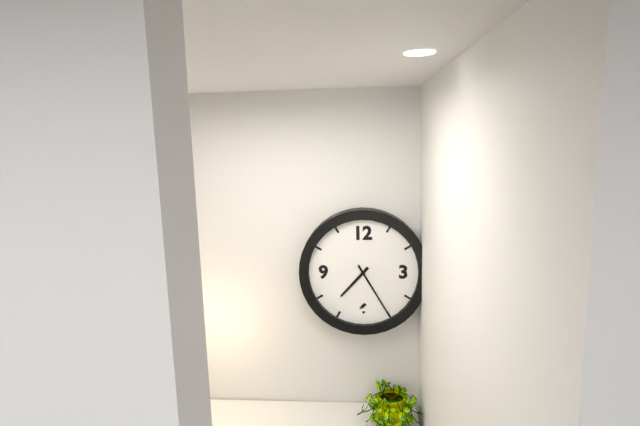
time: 7:25
